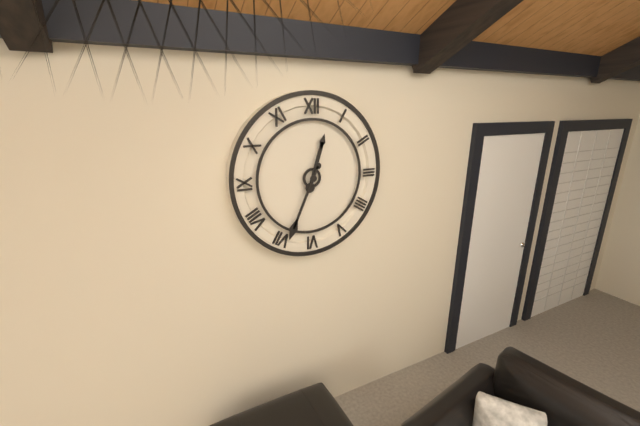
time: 12:34
